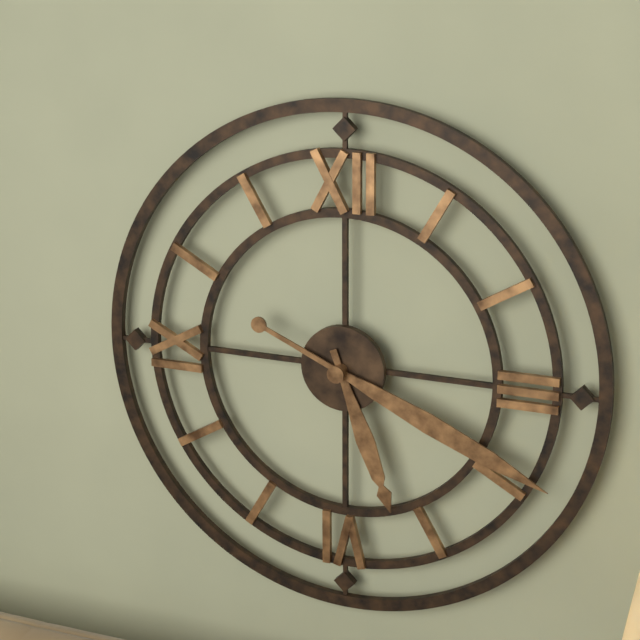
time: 5:19
